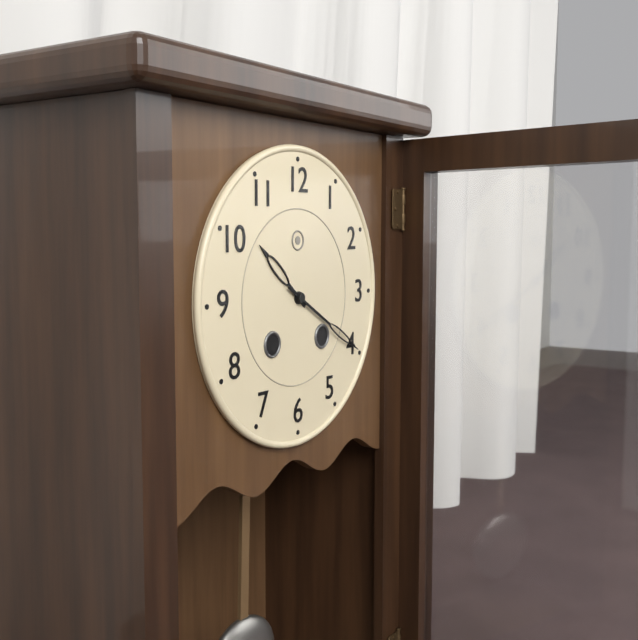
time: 10:20
